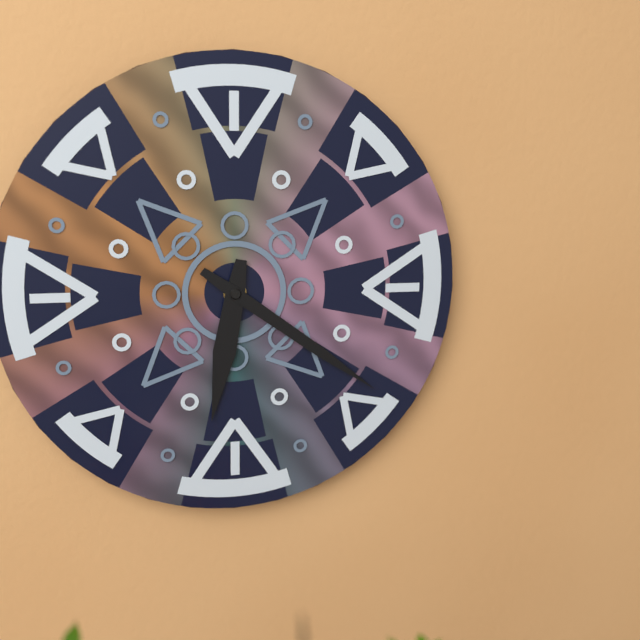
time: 6:21
